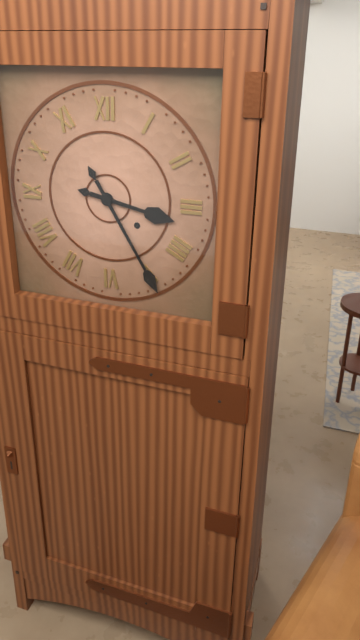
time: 3:25
